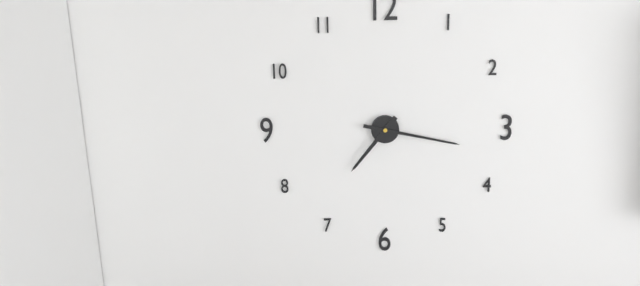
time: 7:17
